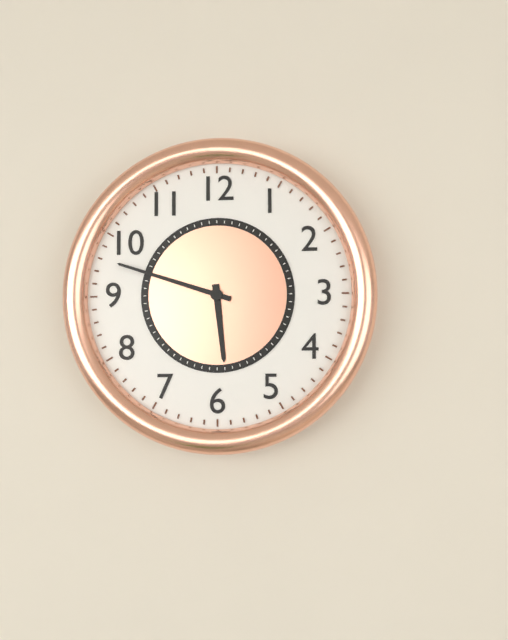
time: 5:48
